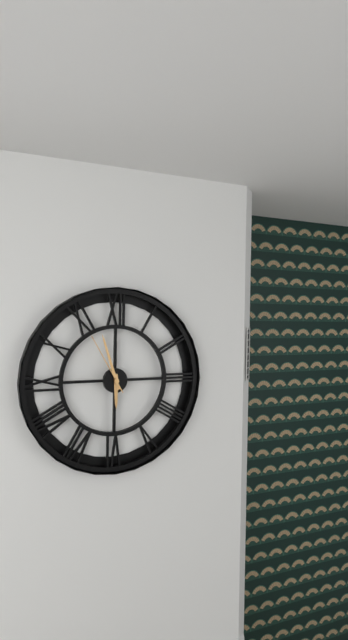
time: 5:57:55
